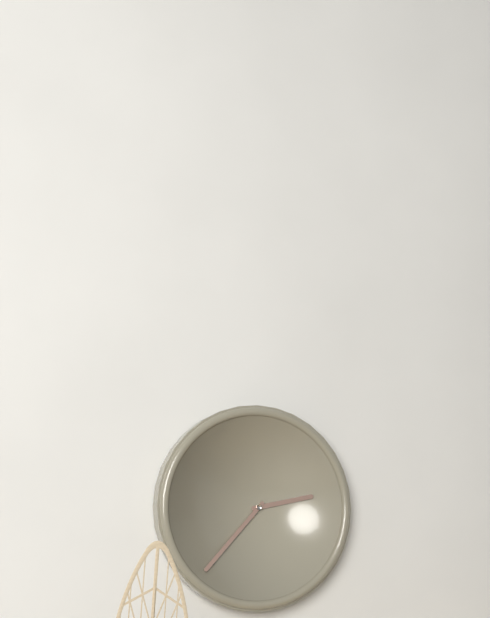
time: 2:37
